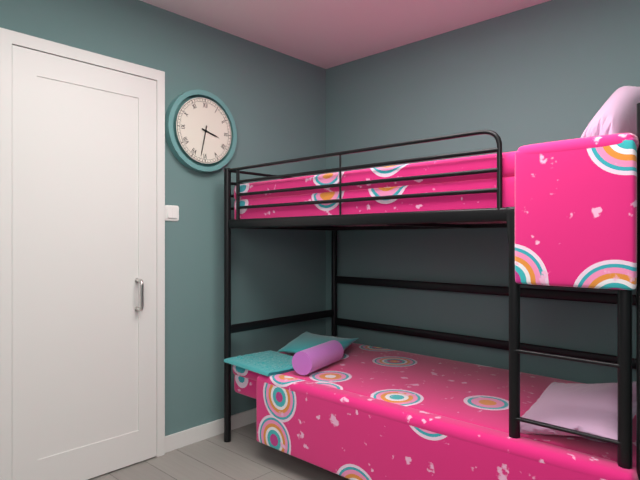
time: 3:32
